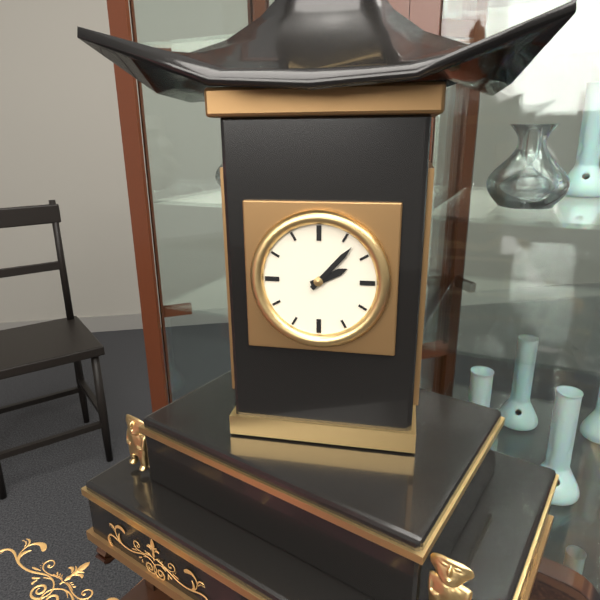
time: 2:07
